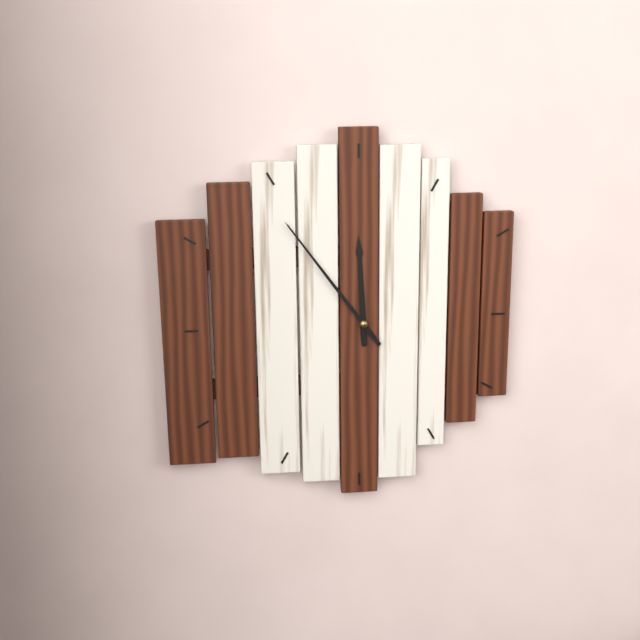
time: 11:54
